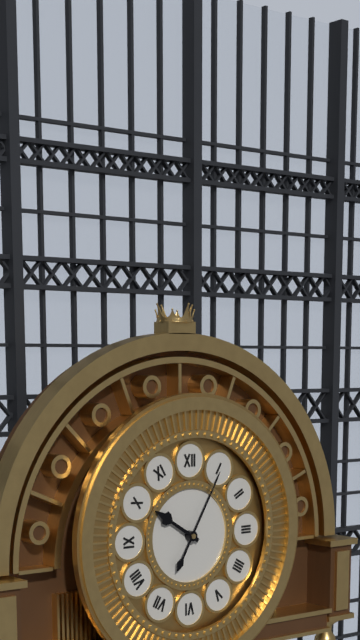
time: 10:05
